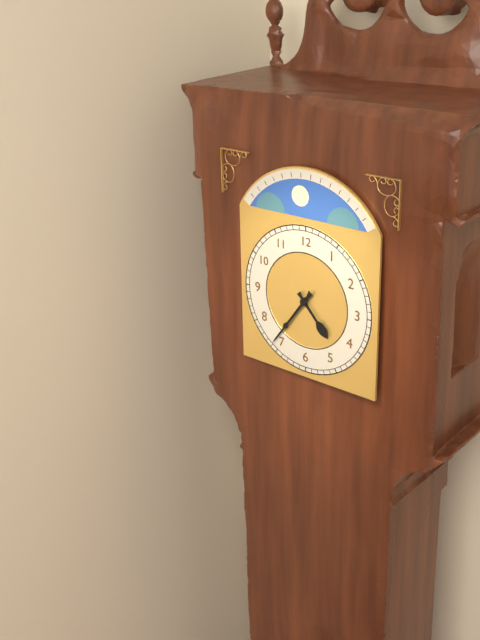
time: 4:36
